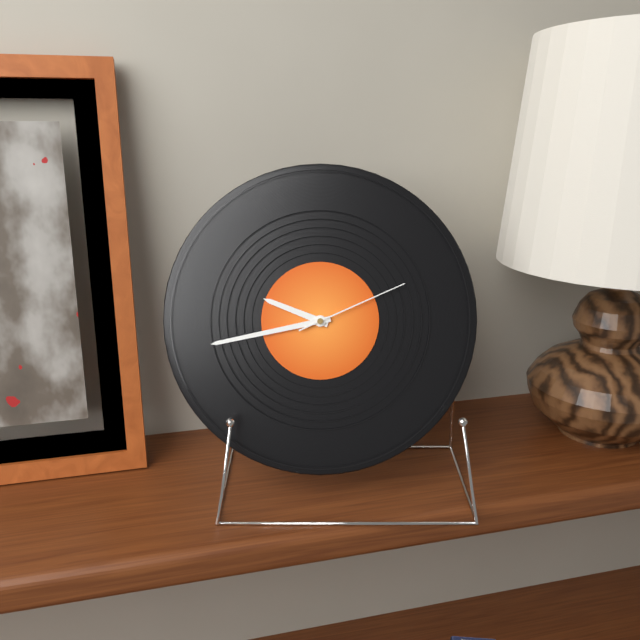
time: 9:43:11
